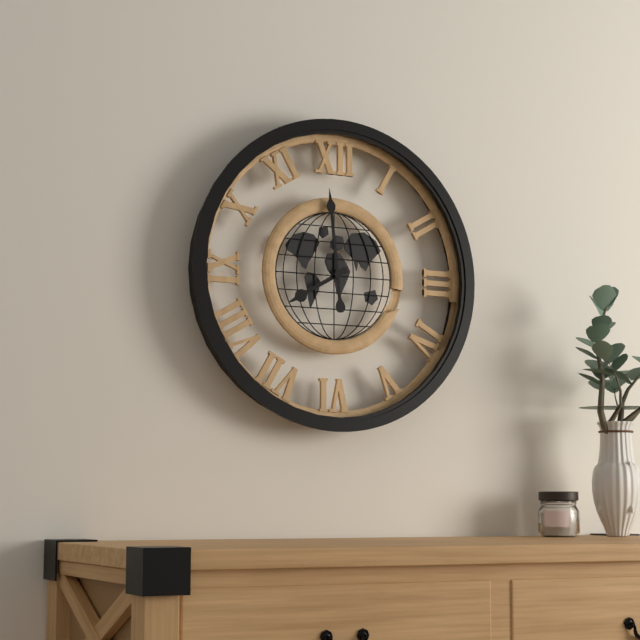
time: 7:59
